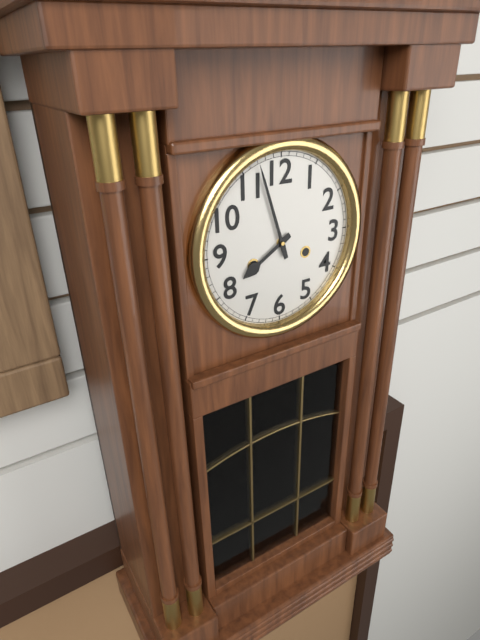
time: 7:57
